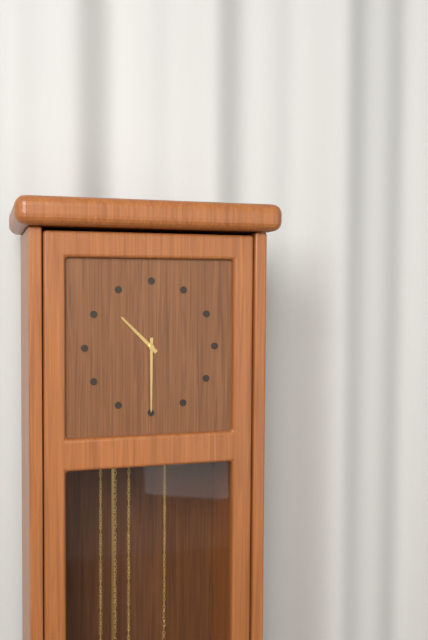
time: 10:30
